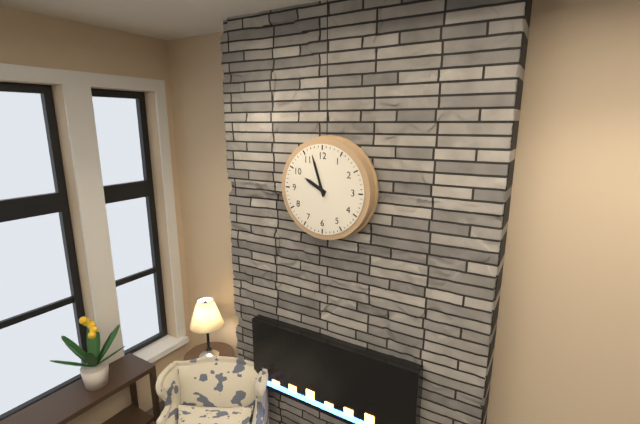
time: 9:57
